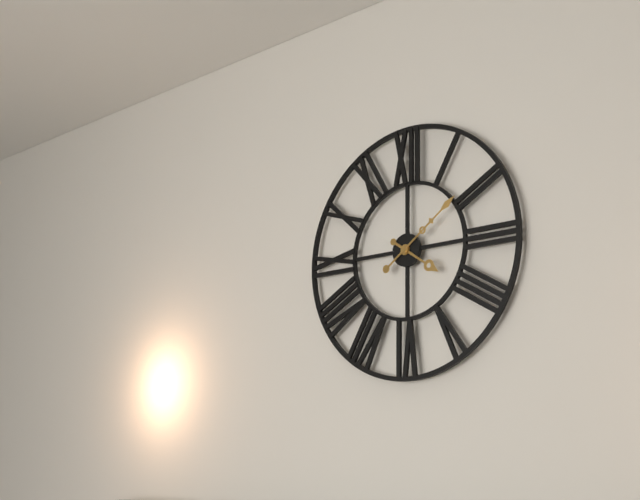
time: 4:09
